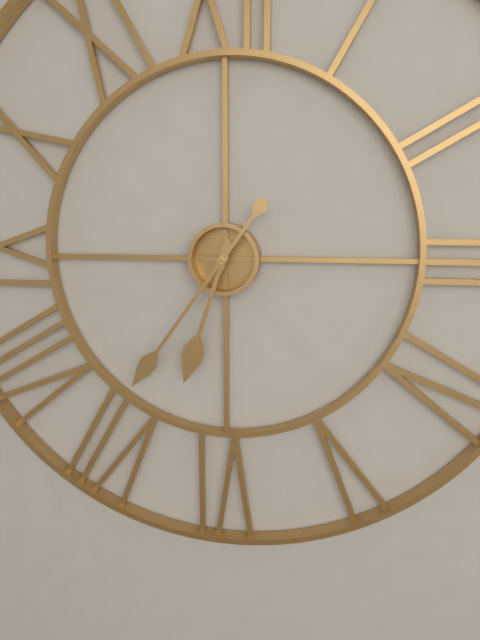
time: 6:36
